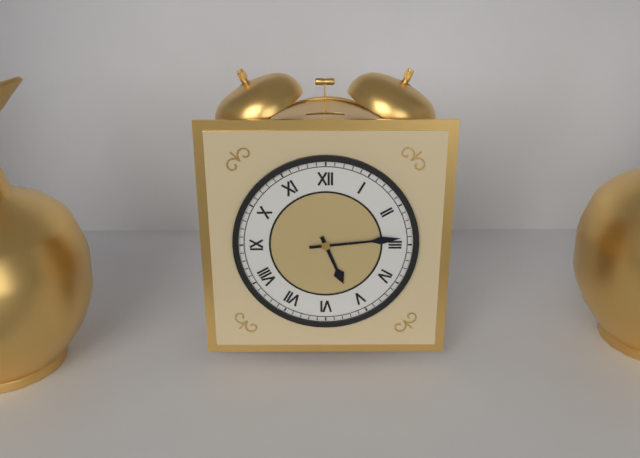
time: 5:14
